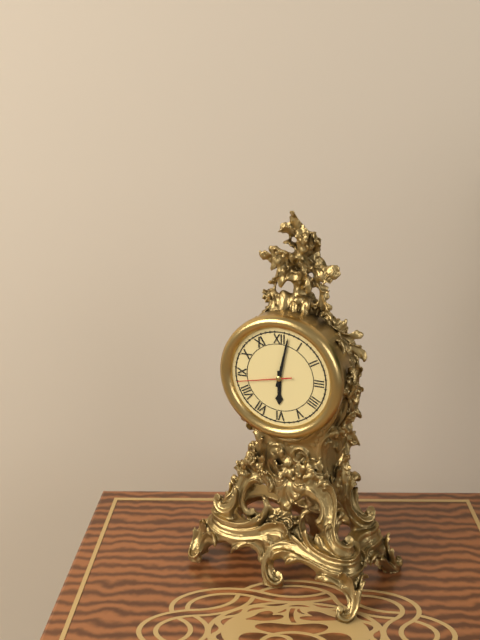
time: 6:02:43
